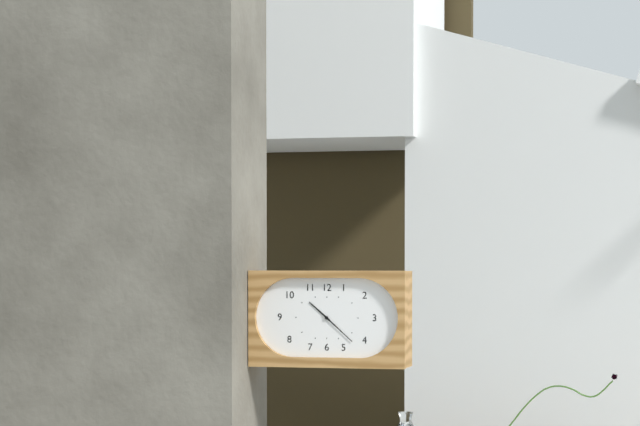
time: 10:22
